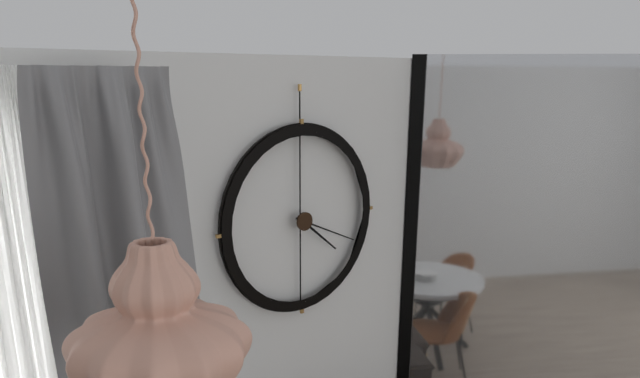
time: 4:19
